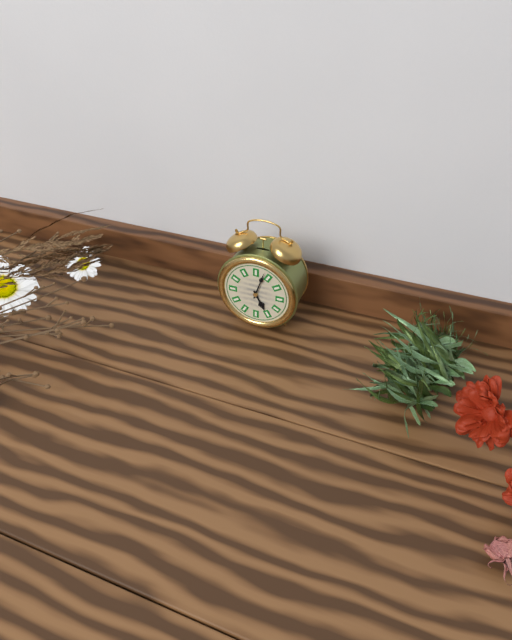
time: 5:03
